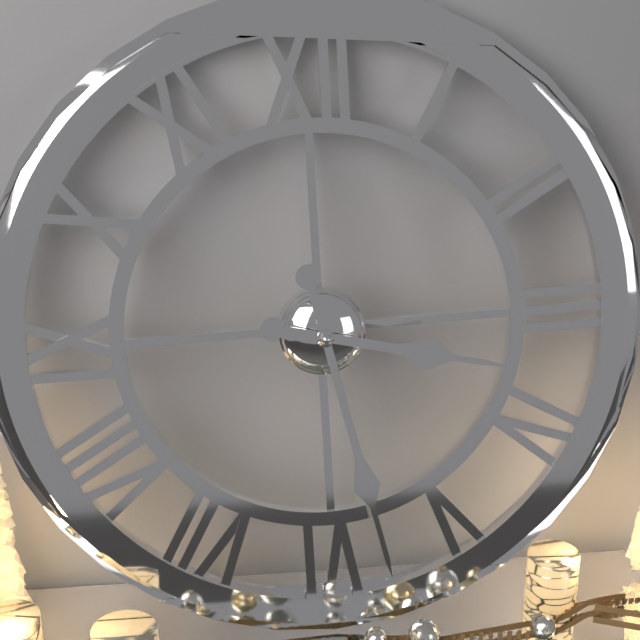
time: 3:28
